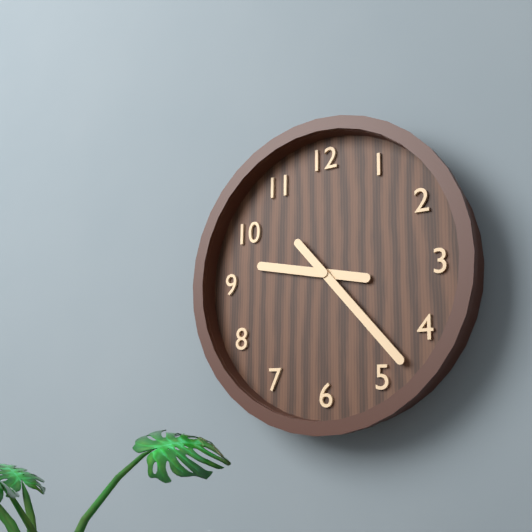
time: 9:23
